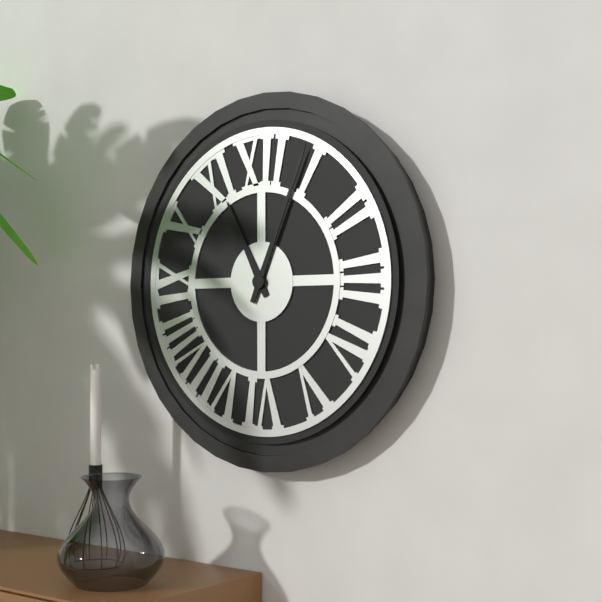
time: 11:04
